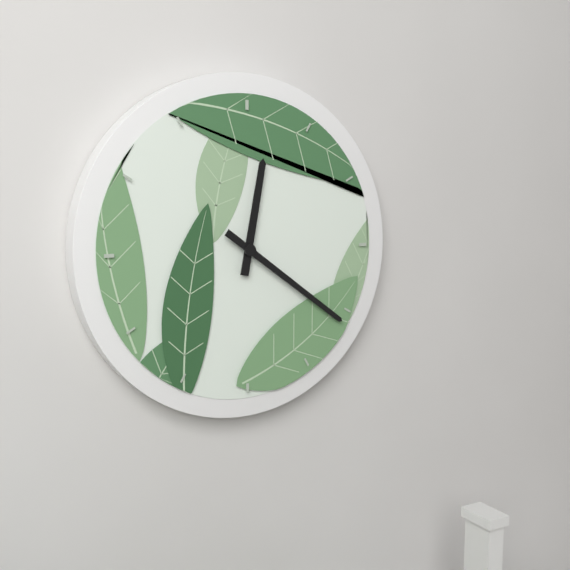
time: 12:21
